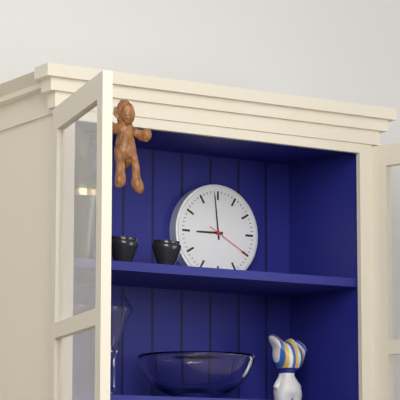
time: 8:59
